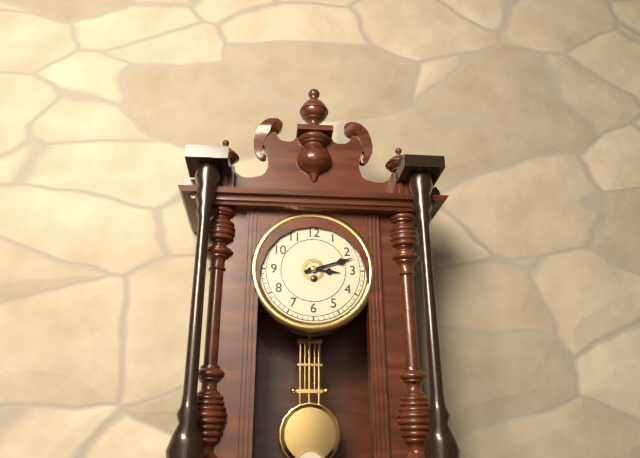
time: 3:12
